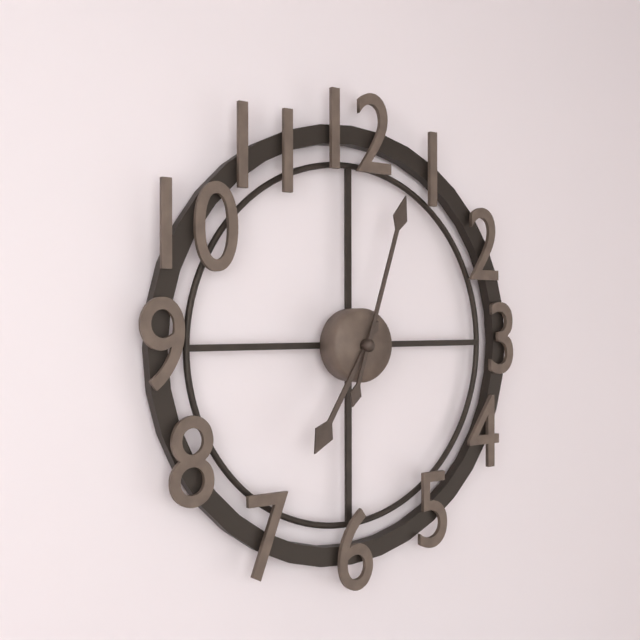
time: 7:03
